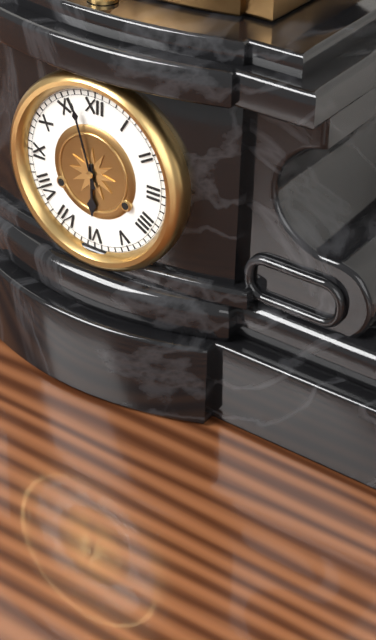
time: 5:57
